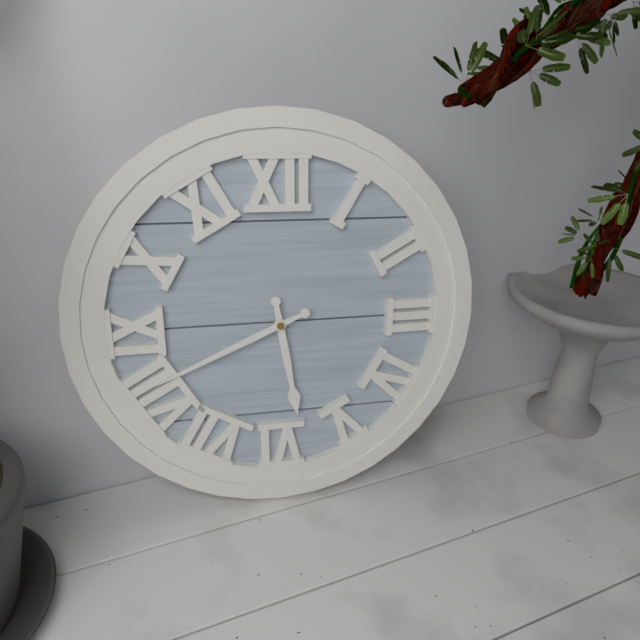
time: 5:41
